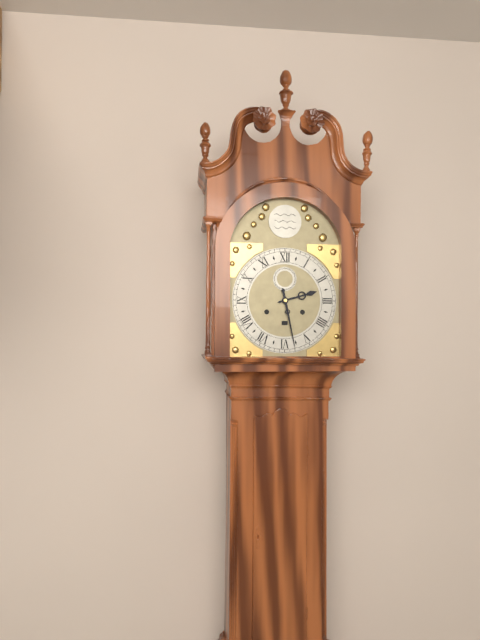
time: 2:28
